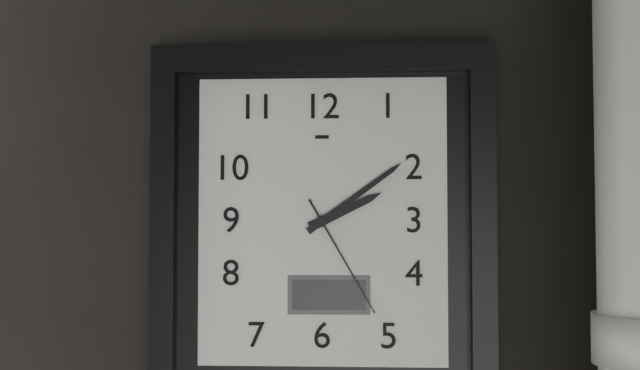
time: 2:09:25
